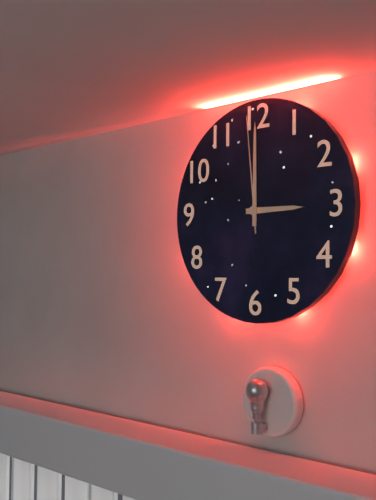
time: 3:00:59
